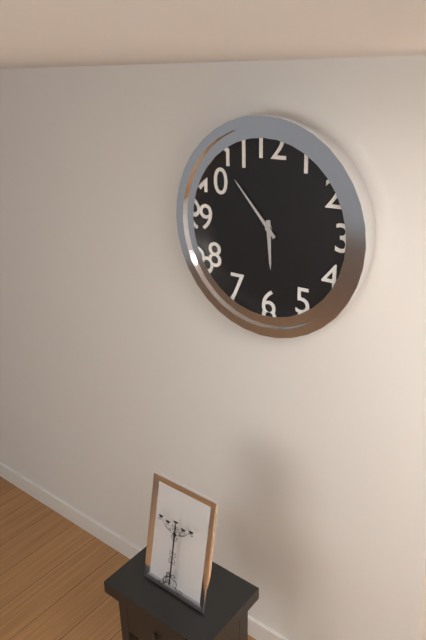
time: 5:53
